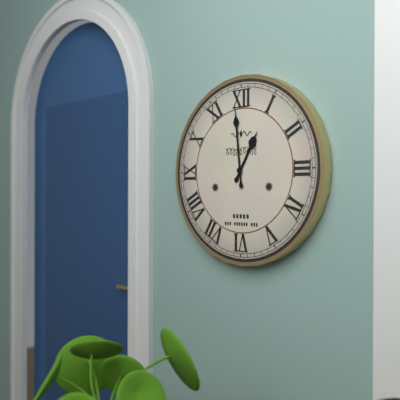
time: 12:59
